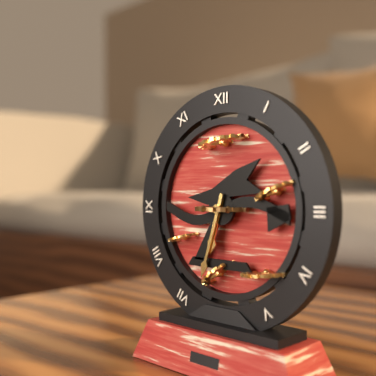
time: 6:33
